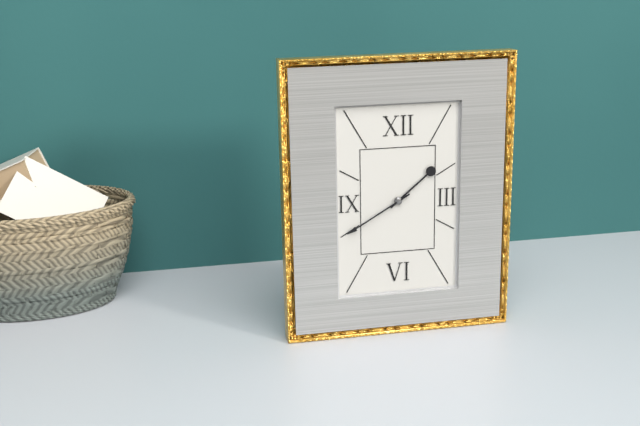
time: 1:40
